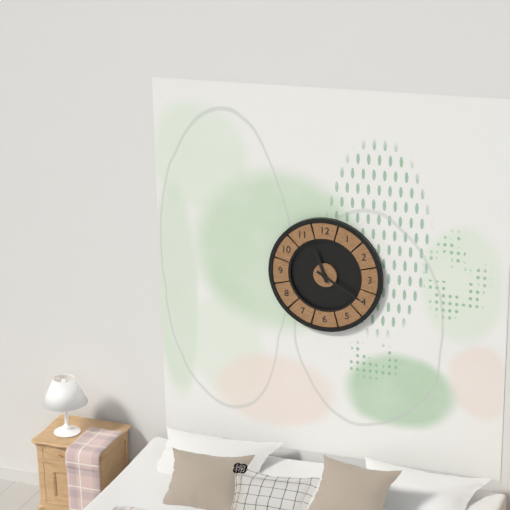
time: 11:20
